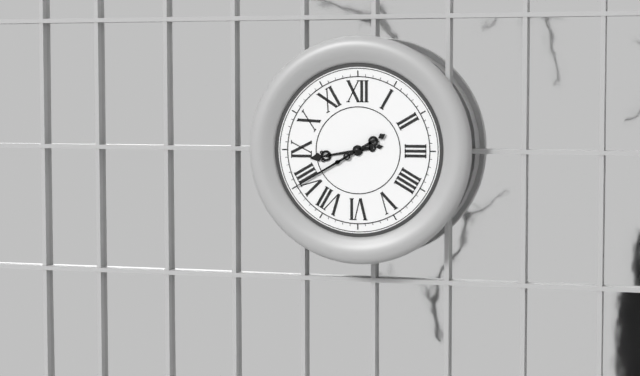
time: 8:40
